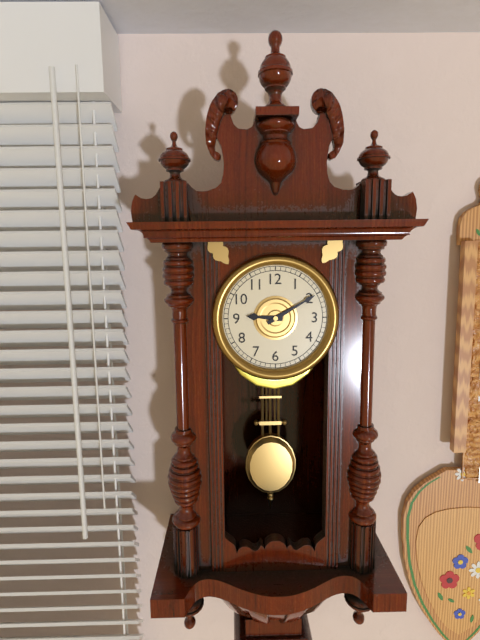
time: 9:10
